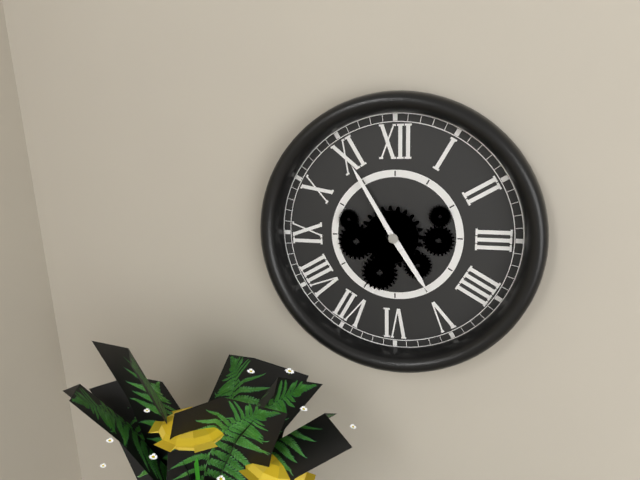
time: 4:55
